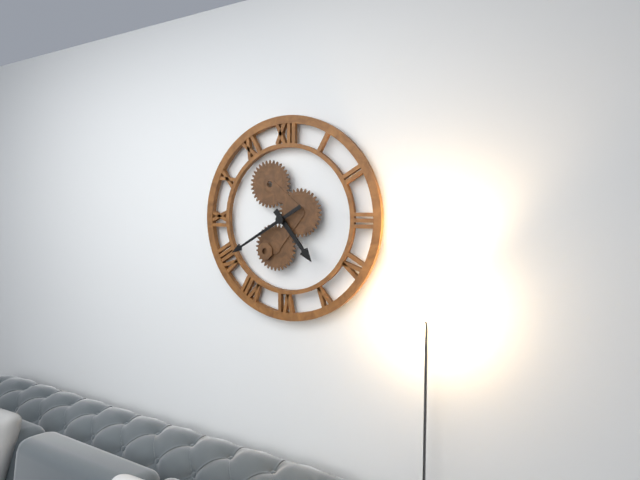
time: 4:40
